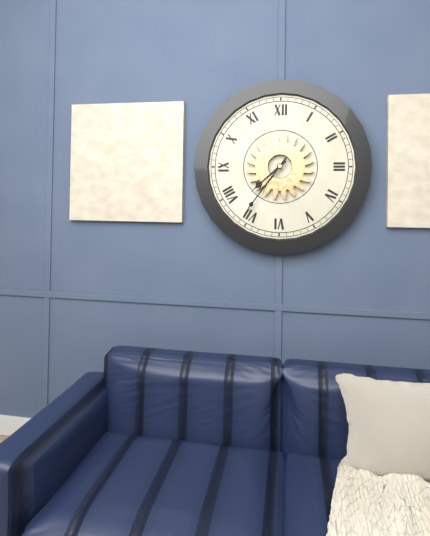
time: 7:36
